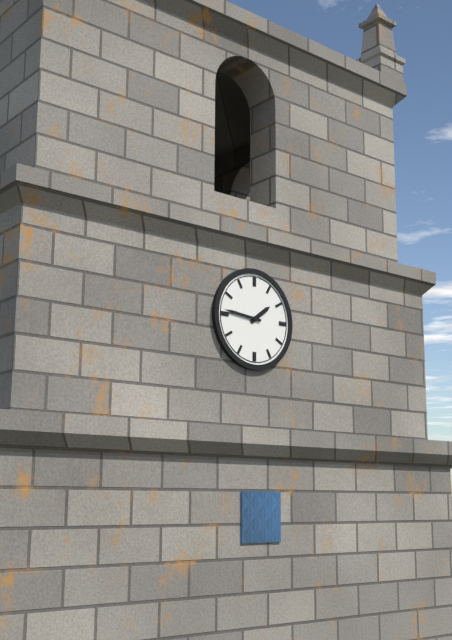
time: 1:46
